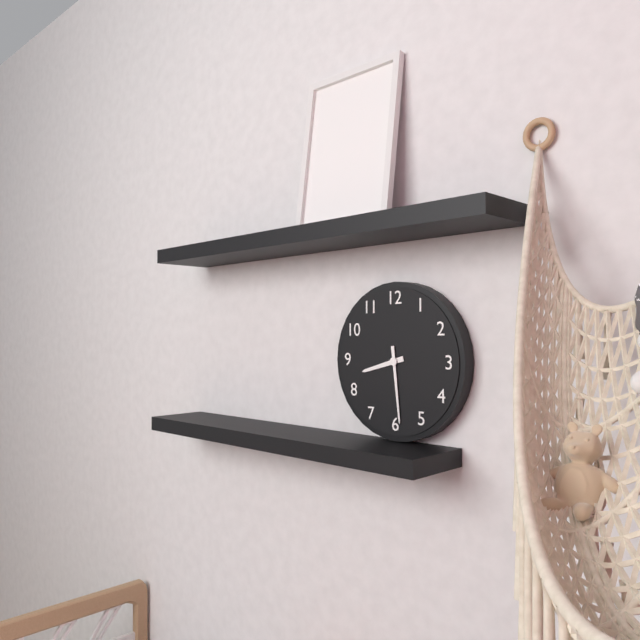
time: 8:29
